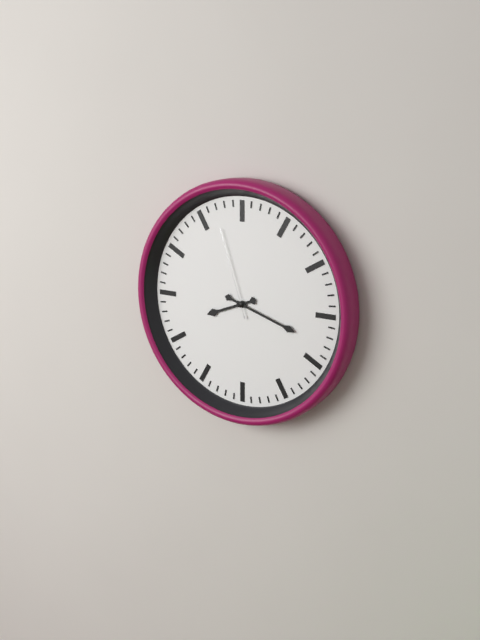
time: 8:18:57
